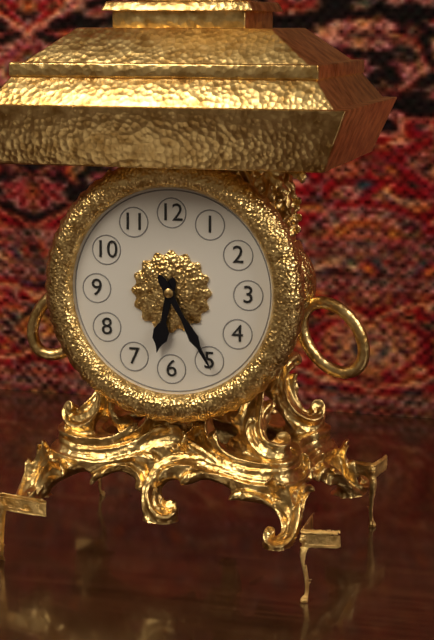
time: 6:25
